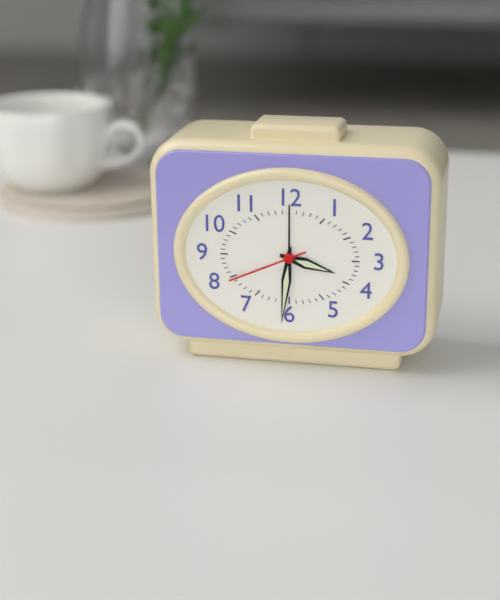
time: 3:31:41
